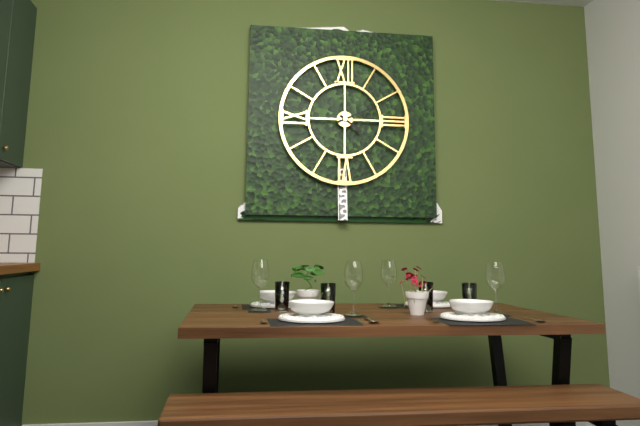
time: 4:11
